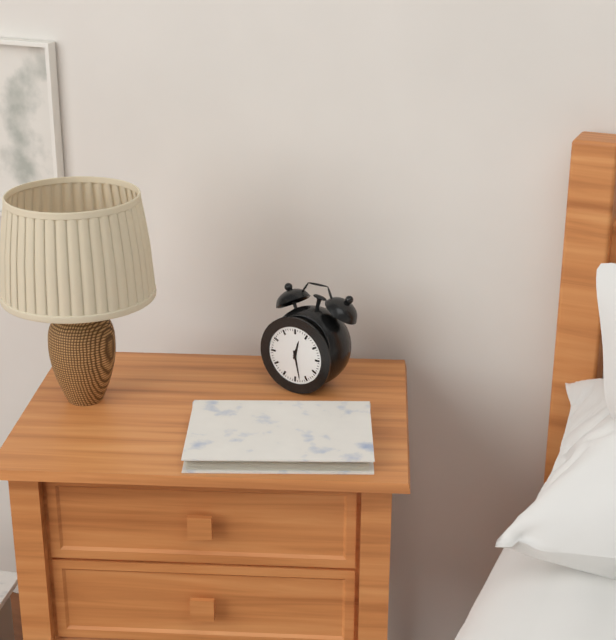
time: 12:28
